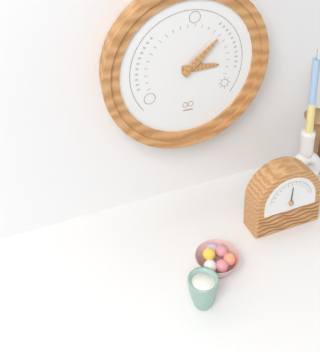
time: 3:08
